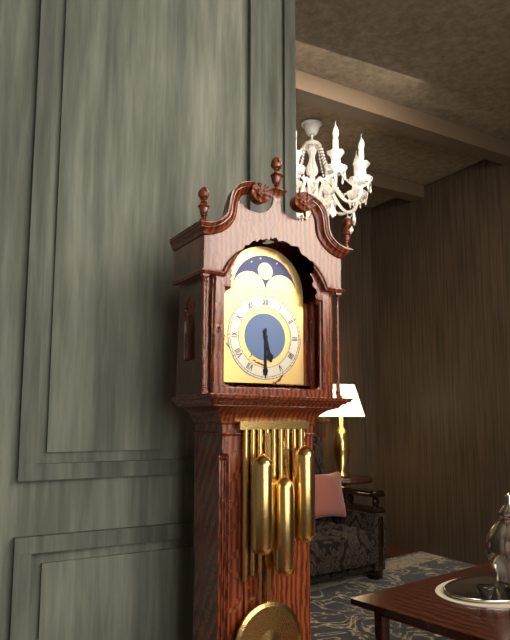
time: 5:30
